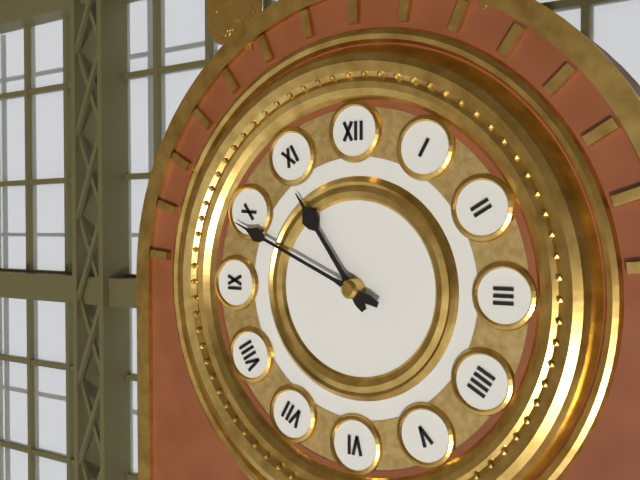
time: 10:49
